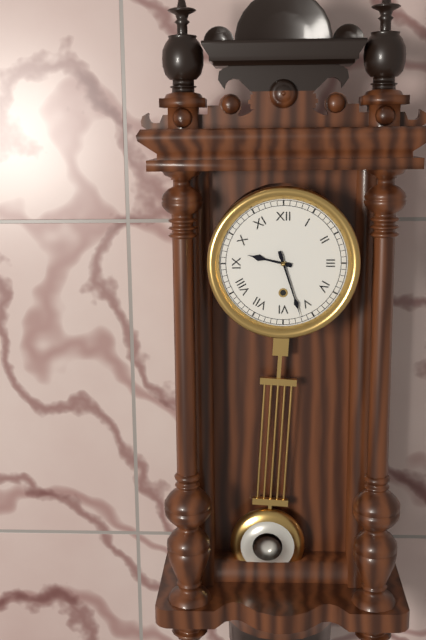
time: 9:27
